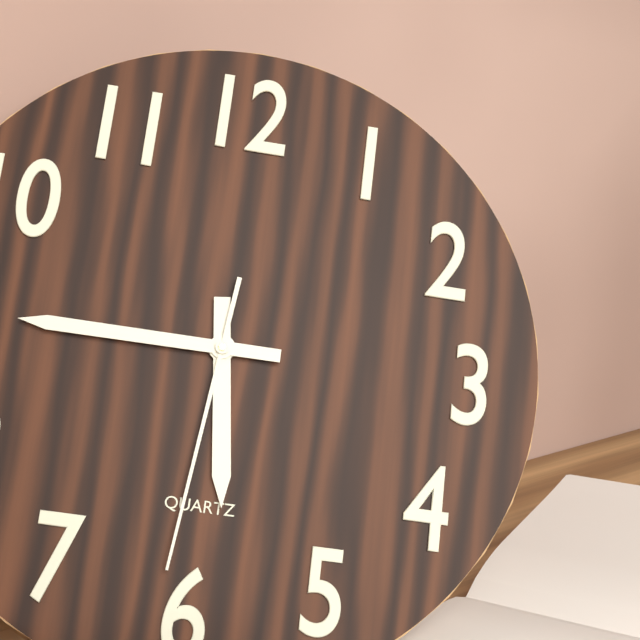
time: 5:45:31
